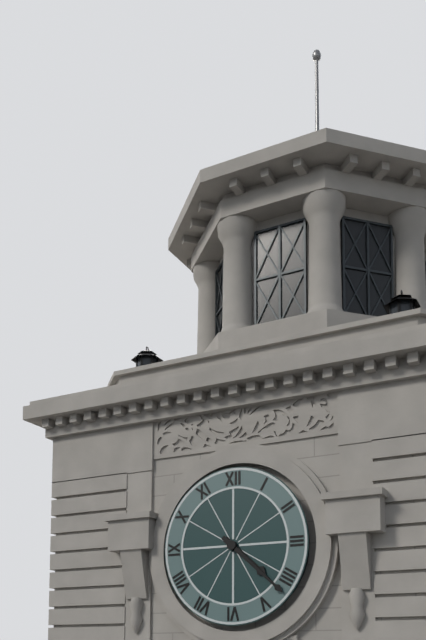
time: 4:22
